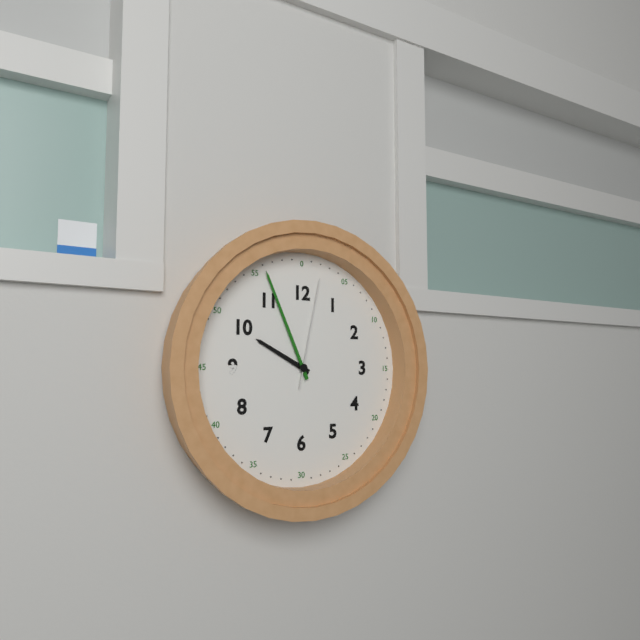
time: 9:56:02
